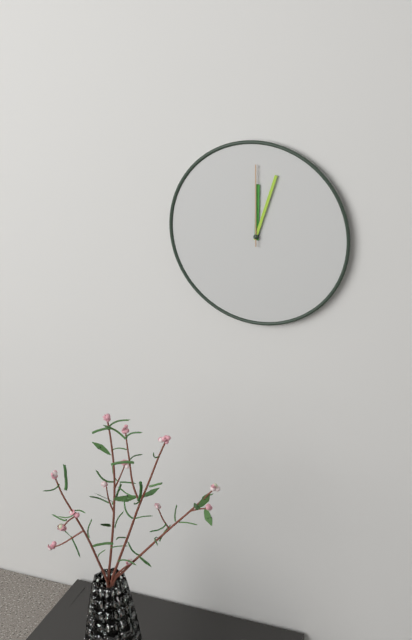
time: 12:03:00
